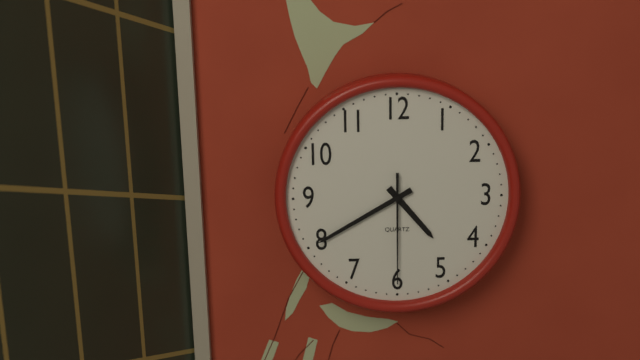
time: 4:40:30
